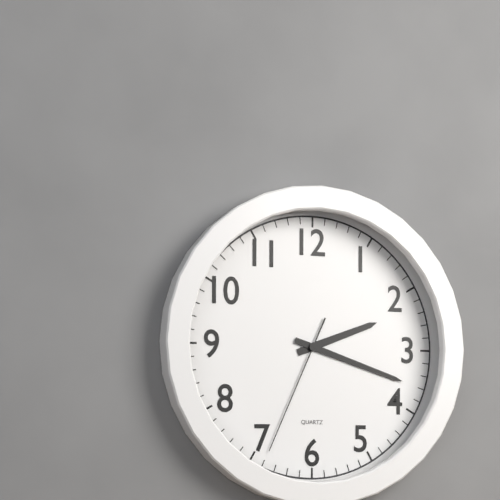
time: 2:18:34
